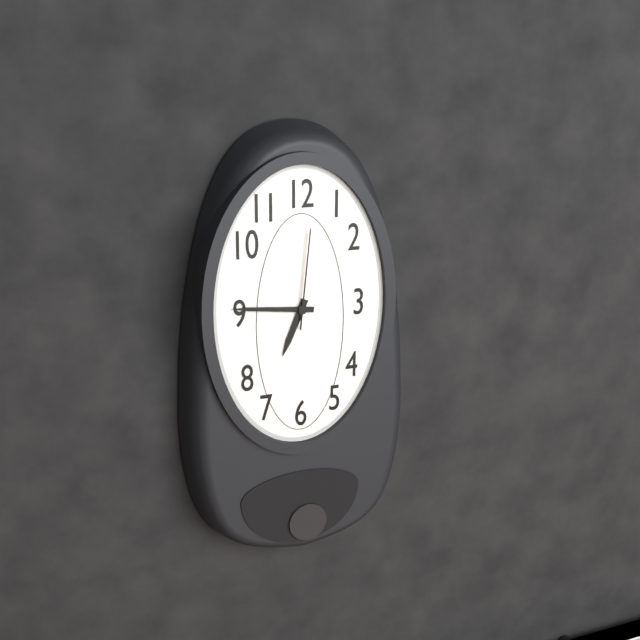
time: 6:46:01
